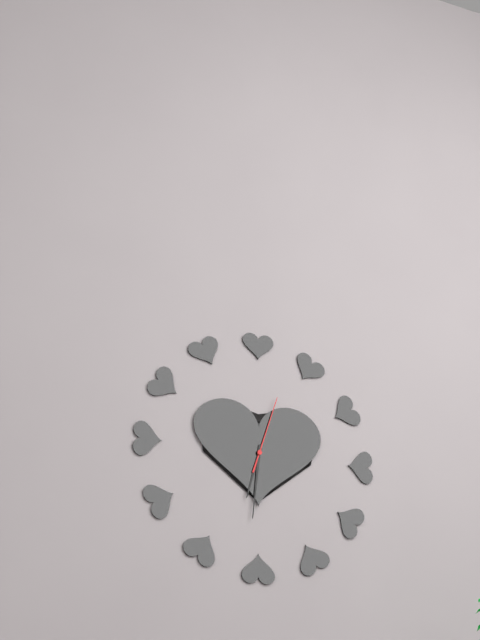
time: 6:31:03
